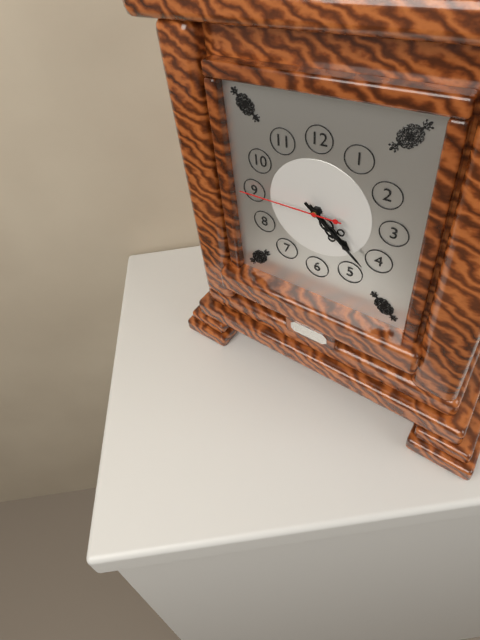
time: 4:22:45
